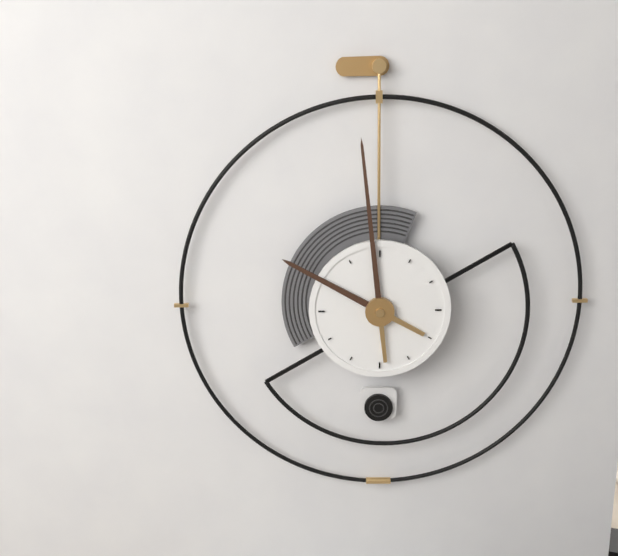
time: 9:59
